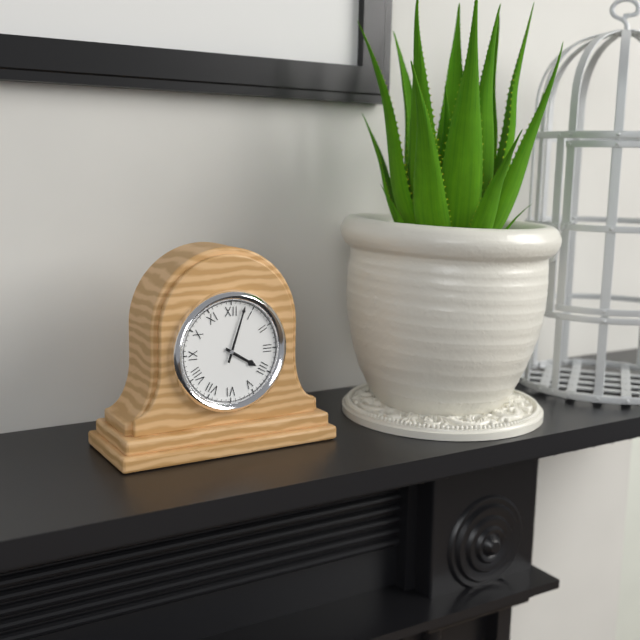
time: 4:03
